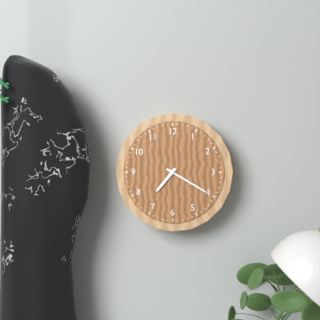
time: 7:20
